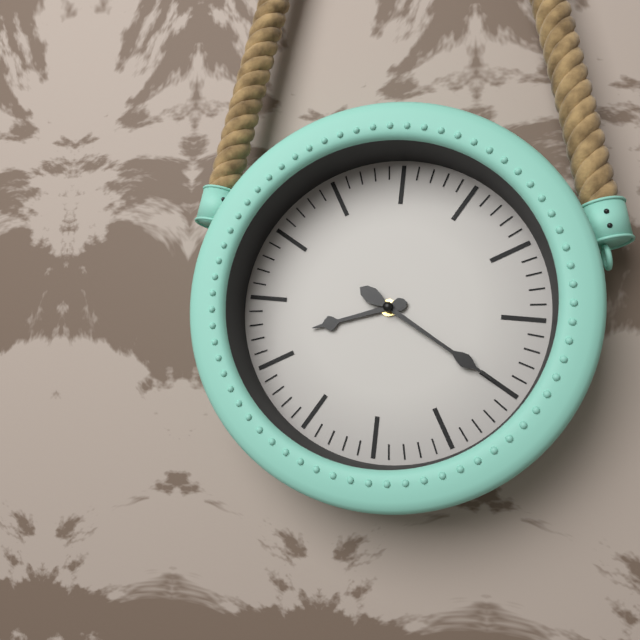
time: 8:20
